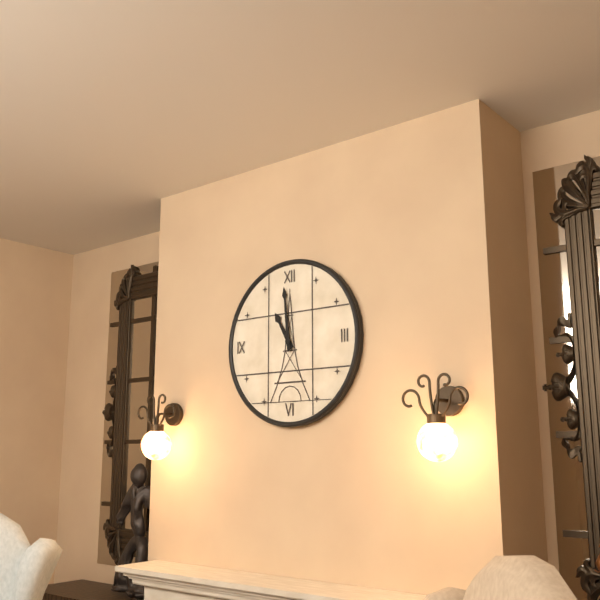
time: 10:59
